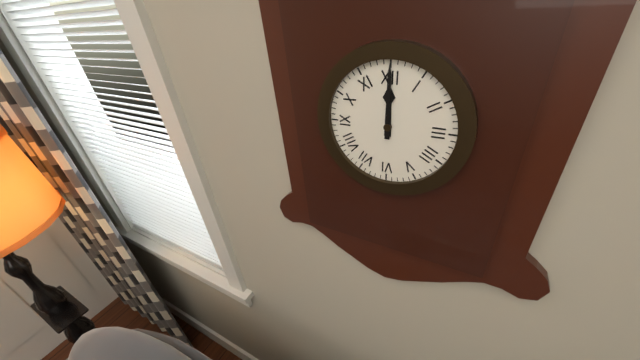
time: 12:00
